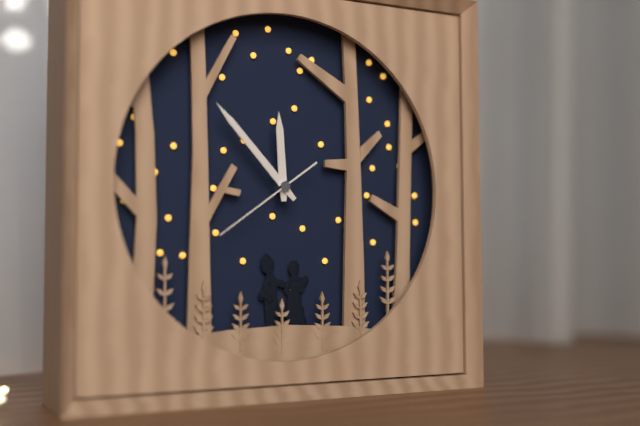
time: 11:53:39
